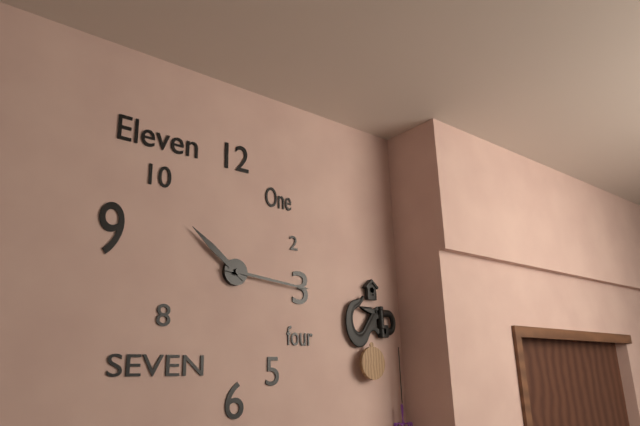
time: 10:16
